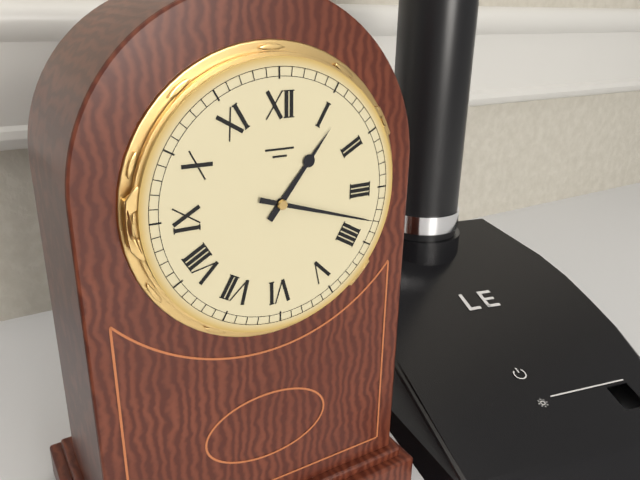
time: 1:18
